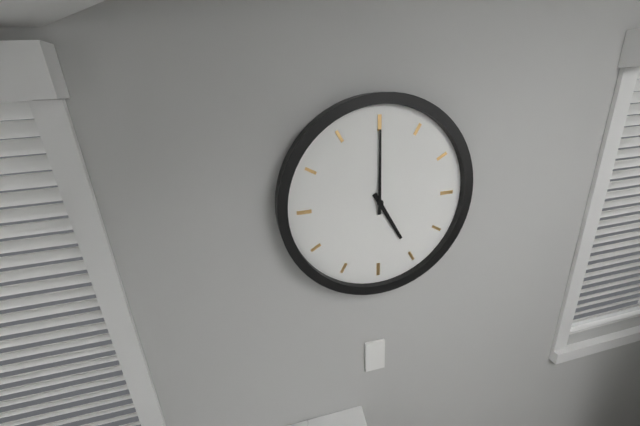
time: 5:00
